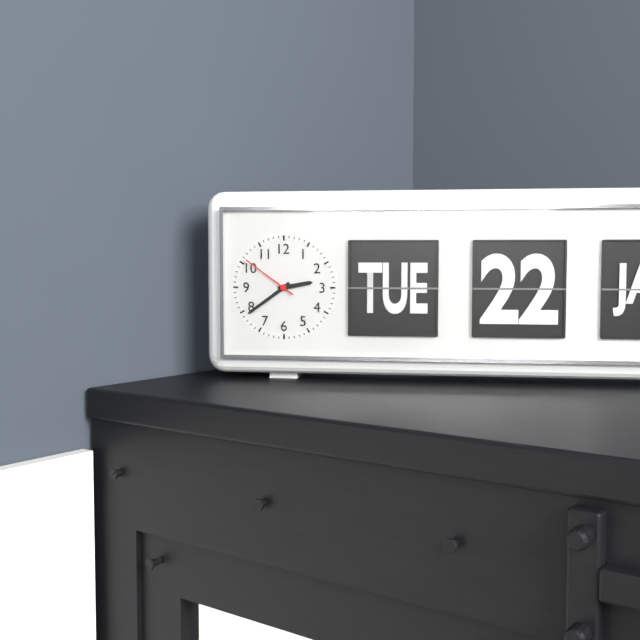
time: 2:39:51
